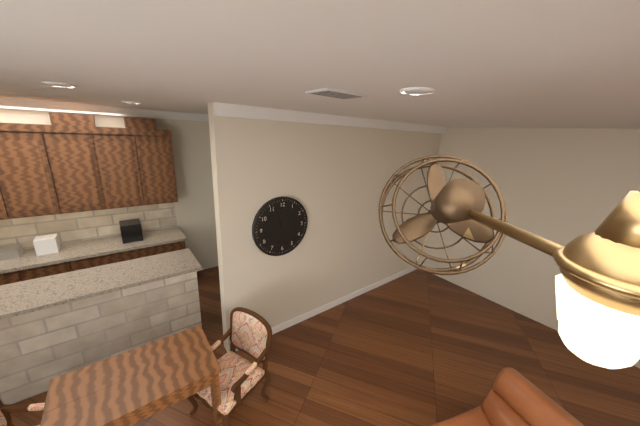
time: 5:57
